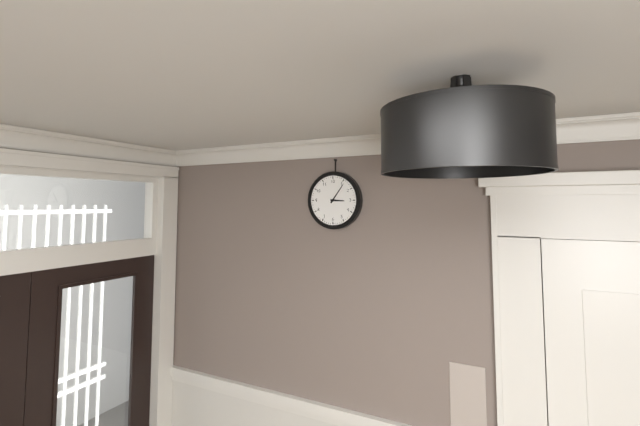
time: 3:06
